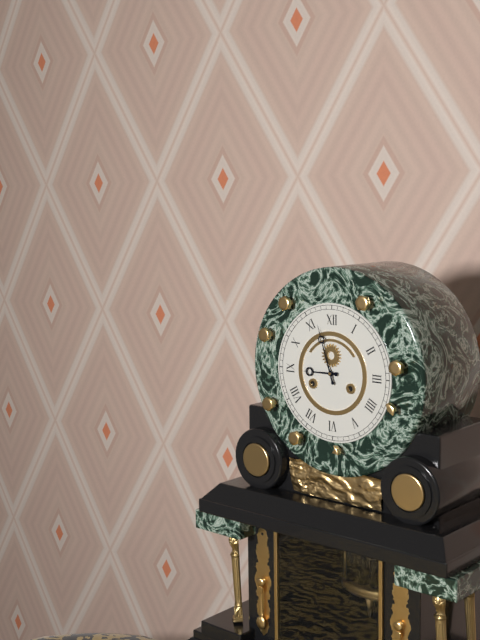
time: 8:57
